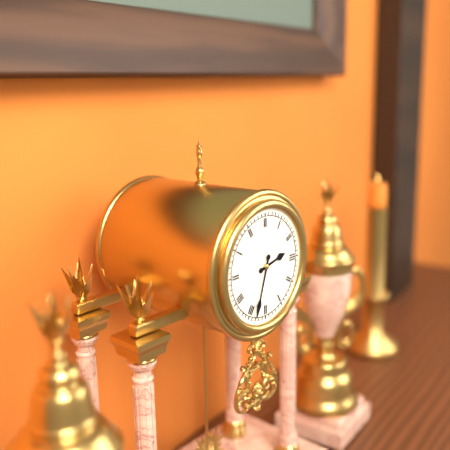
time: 2:33
